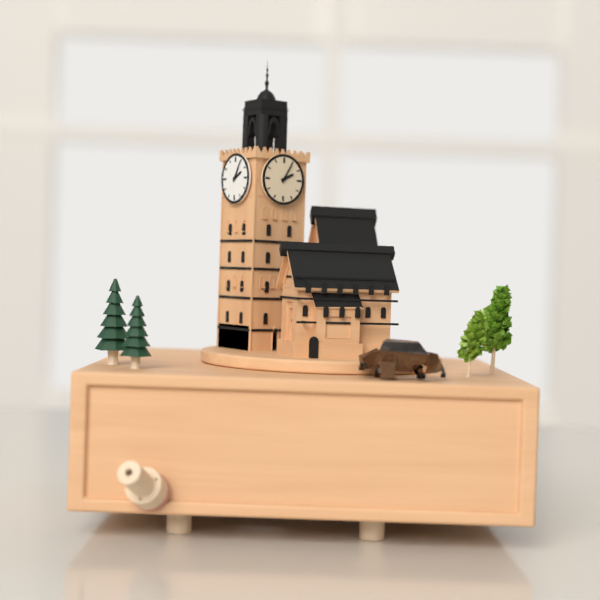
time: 2:05
